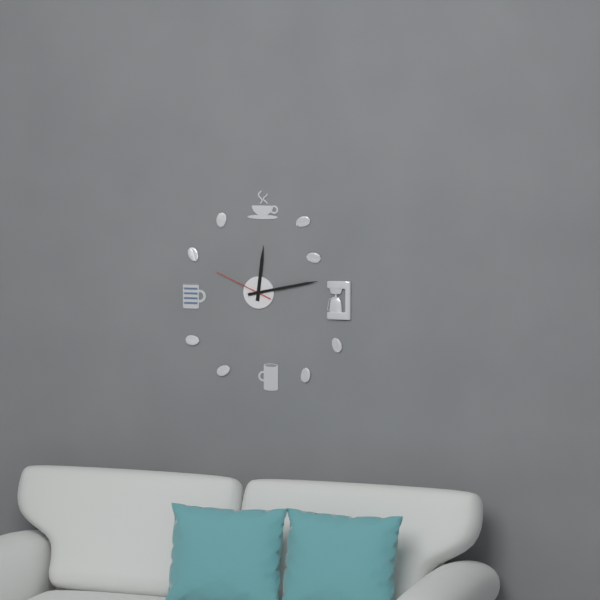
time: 12:13:49
